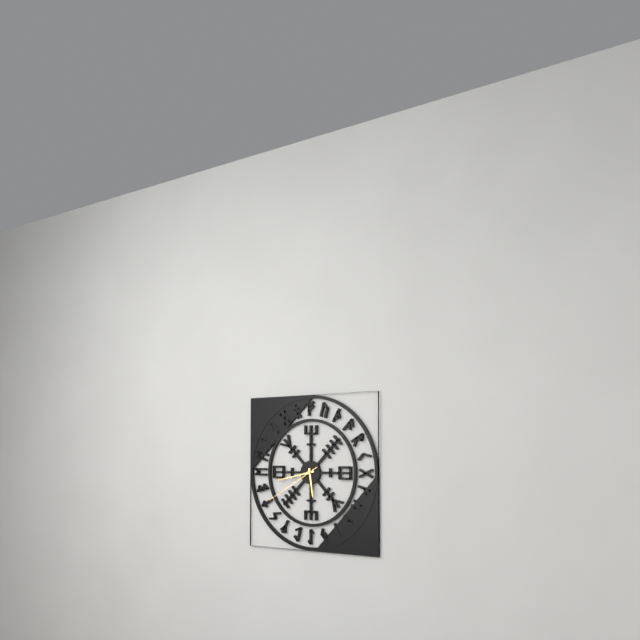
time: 5:43:40
